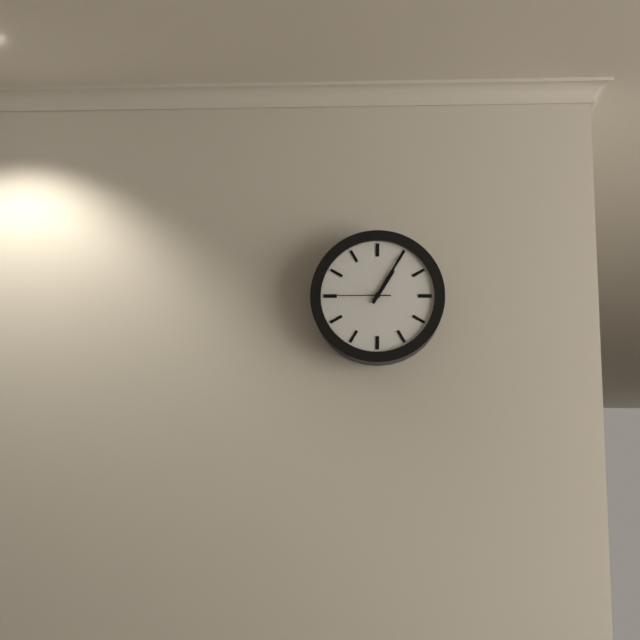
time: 1:05:45
